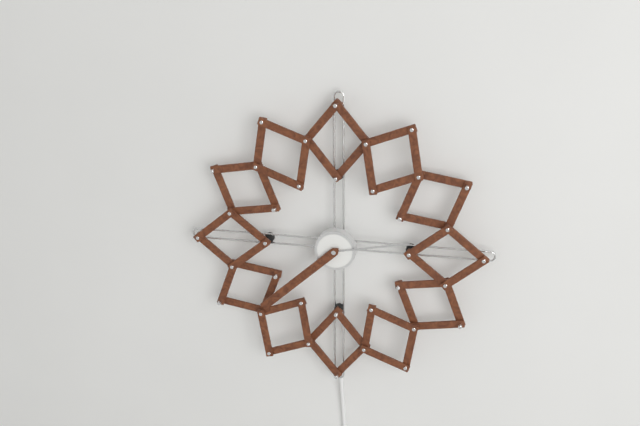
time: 2:38
